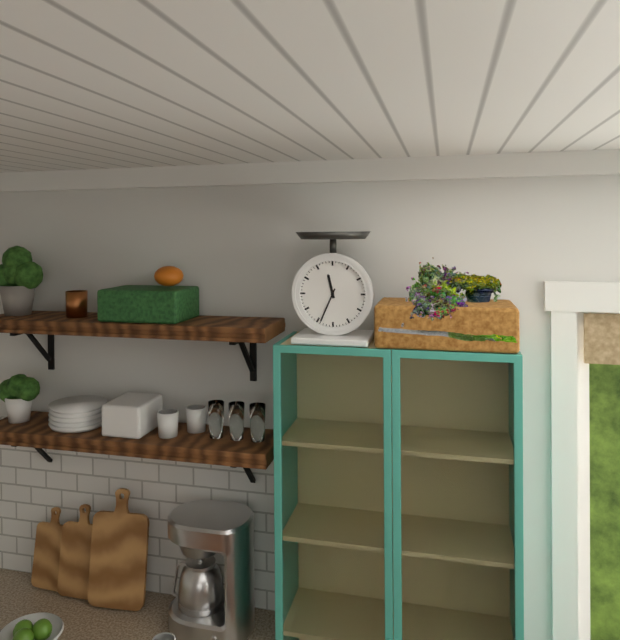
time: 11:34
